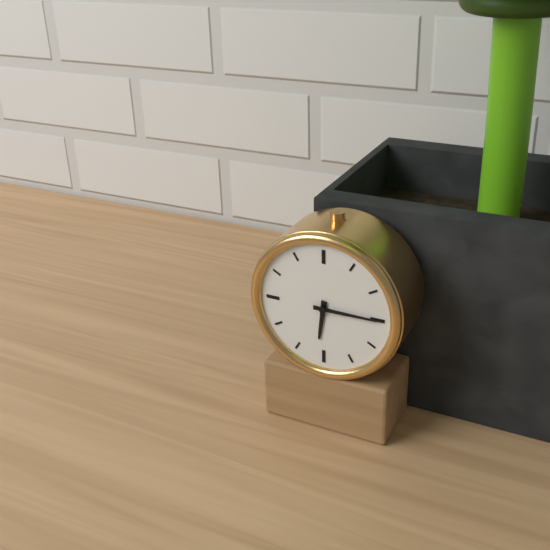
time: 6:15
